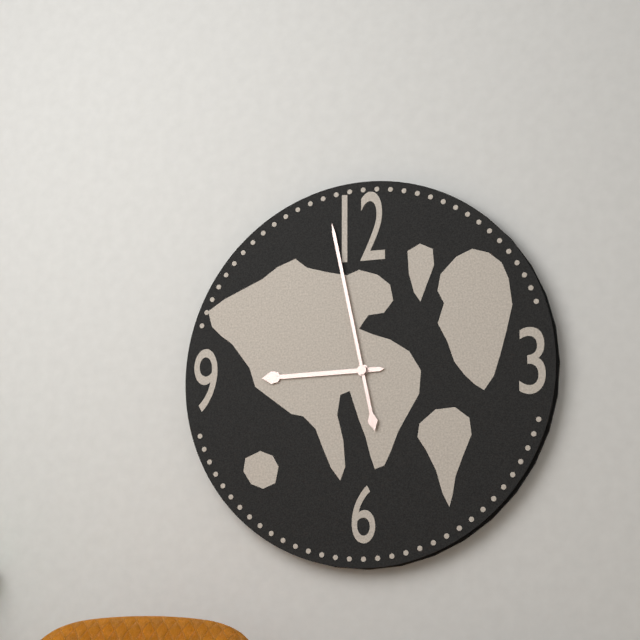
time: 8:58
